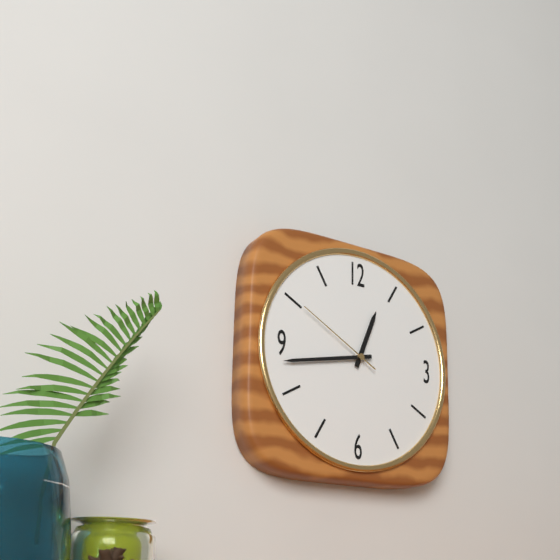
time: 12:43:50
